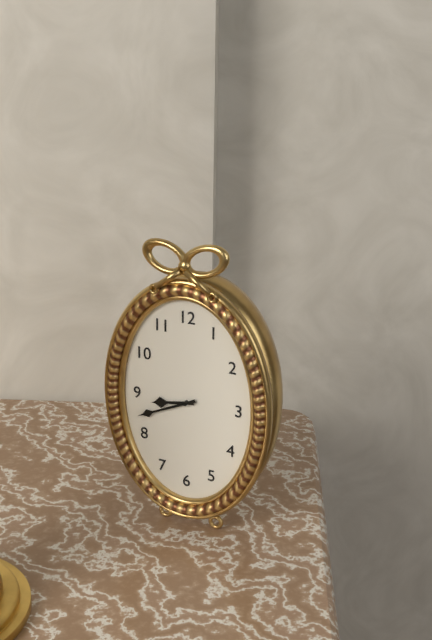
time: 8:41
